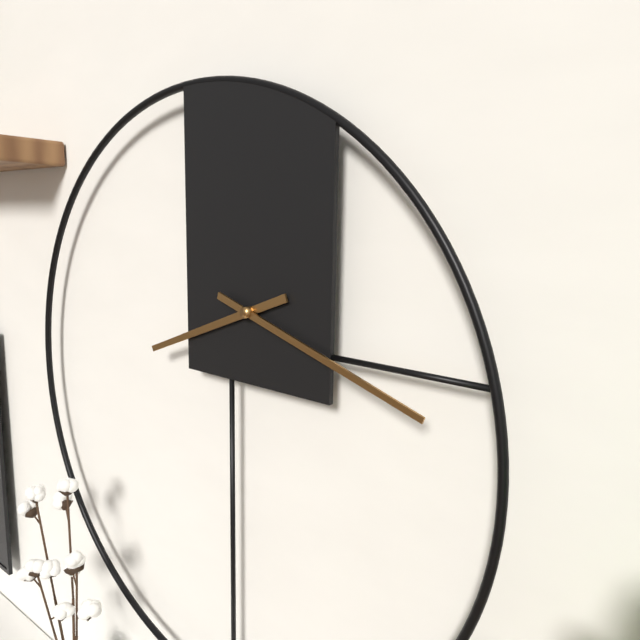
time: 8:18
